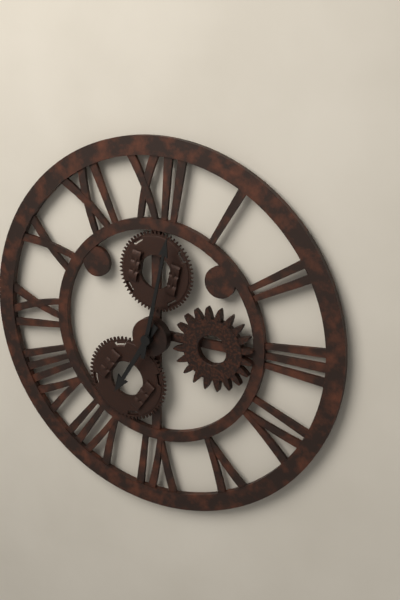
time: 7:02
